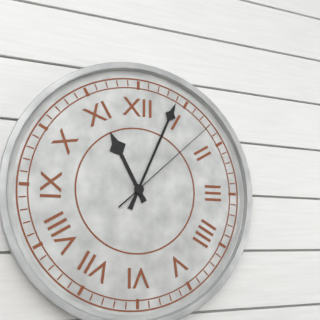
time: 11:04:08
